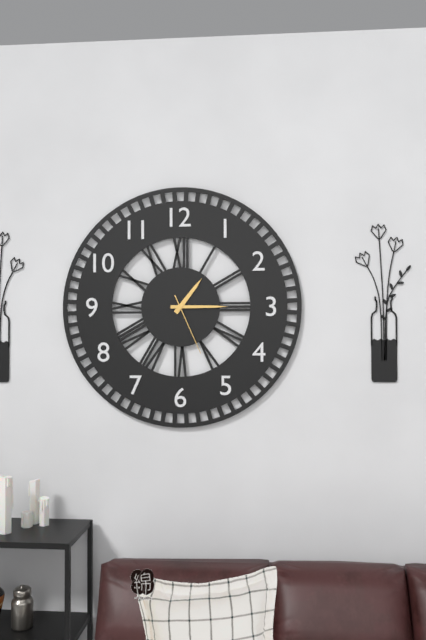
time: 1:15:26
